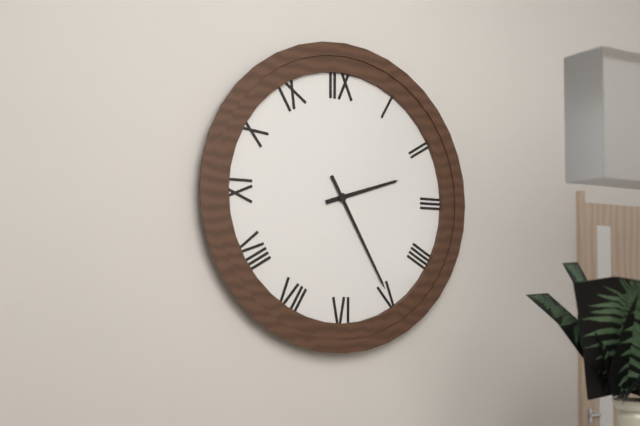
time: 2:25
